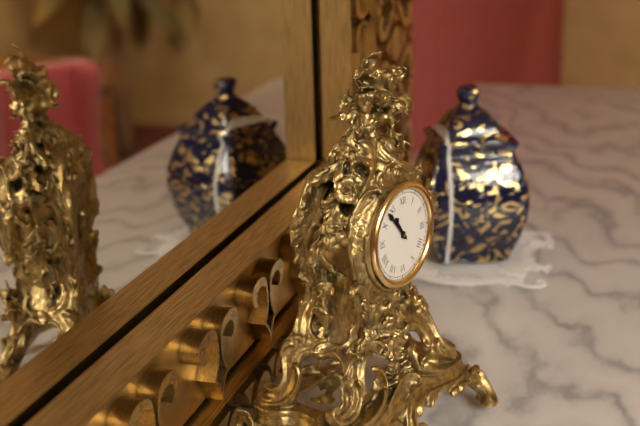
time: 10:53
